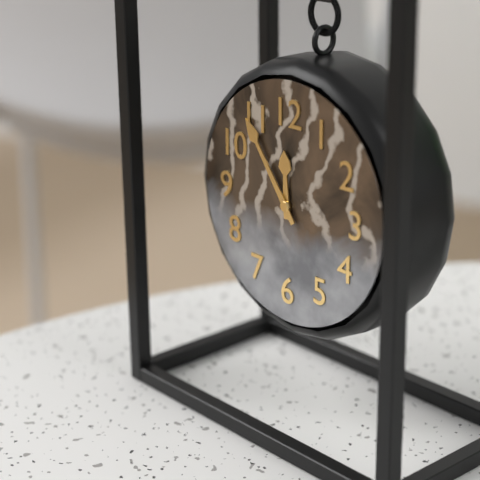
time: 11:54
